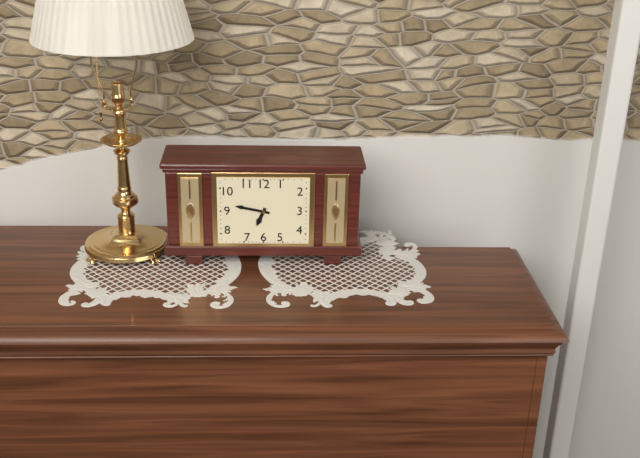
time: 6:47
